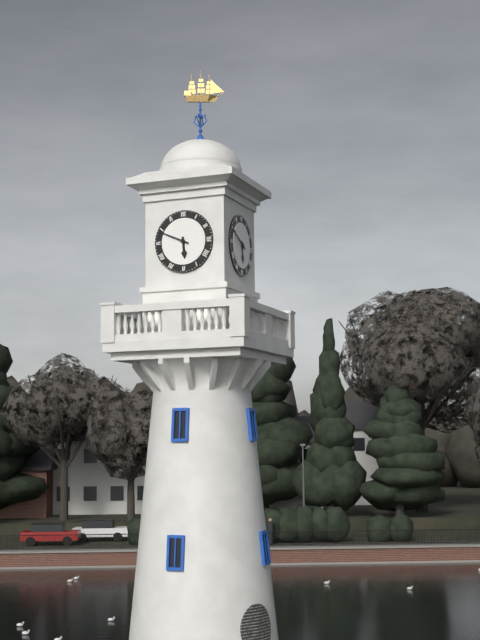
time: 5:49
